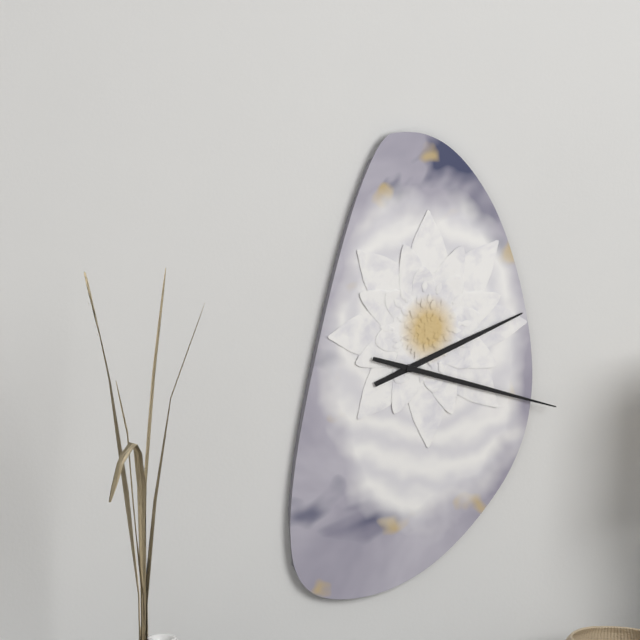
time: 2:18
